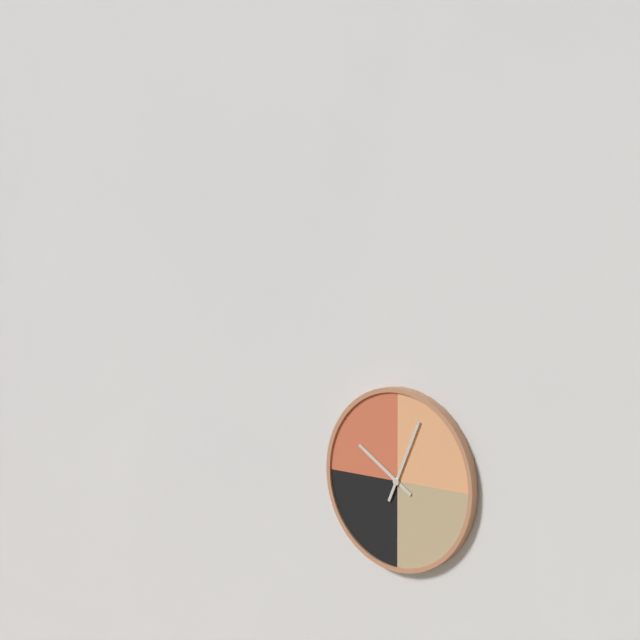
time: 10:04
